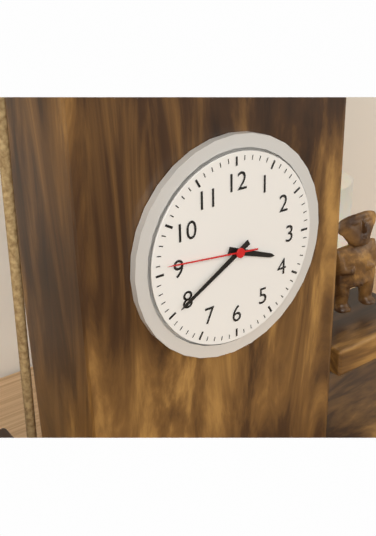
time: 3:40:46
